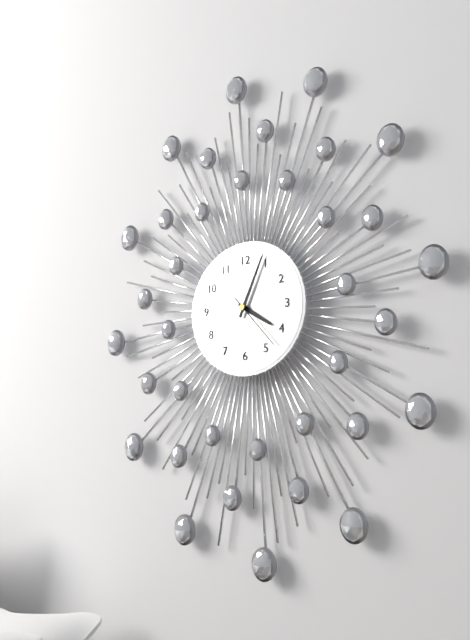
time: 4:04:23
